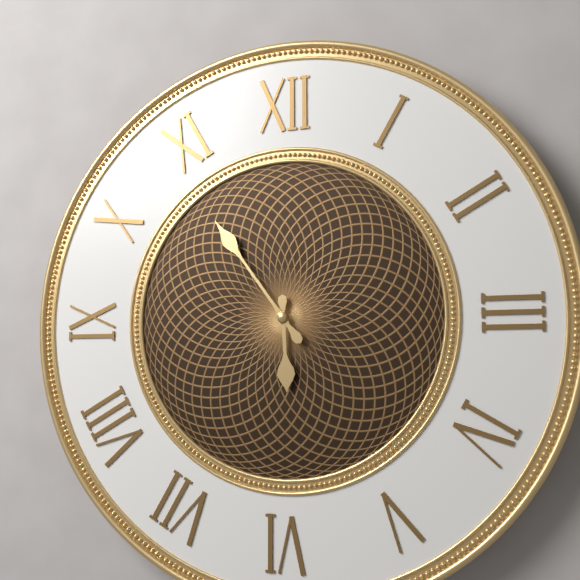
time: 5:54
